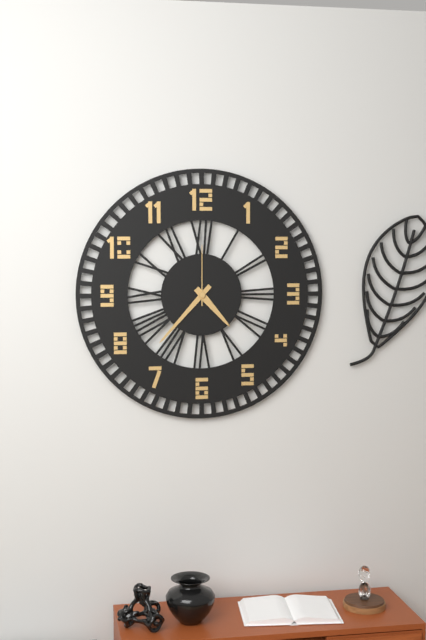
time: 4:37:00
